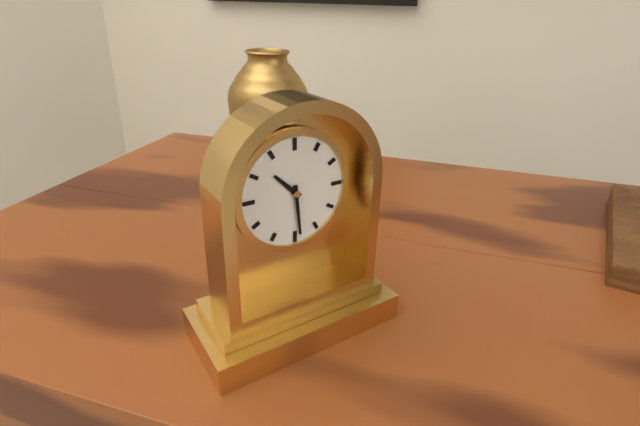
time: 10:29
